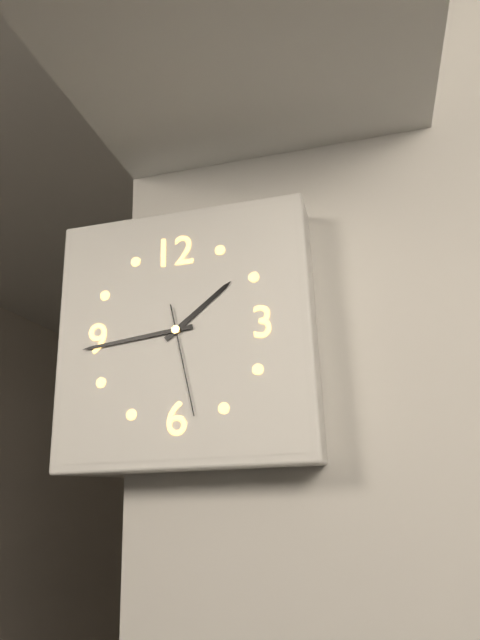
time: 1:44:28
